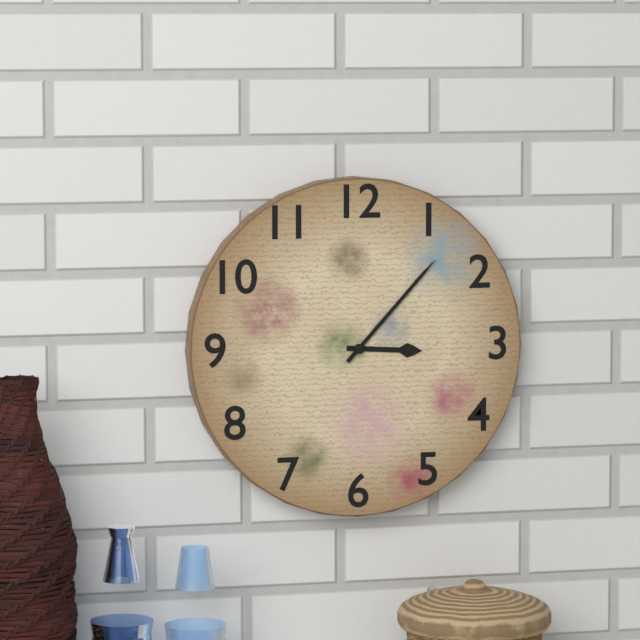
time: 3:07
